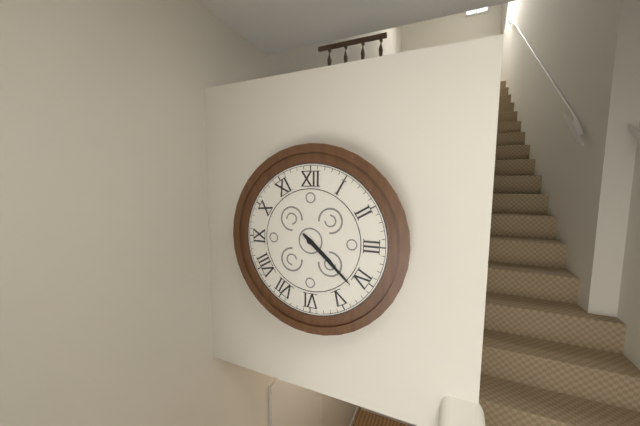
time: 4:22
